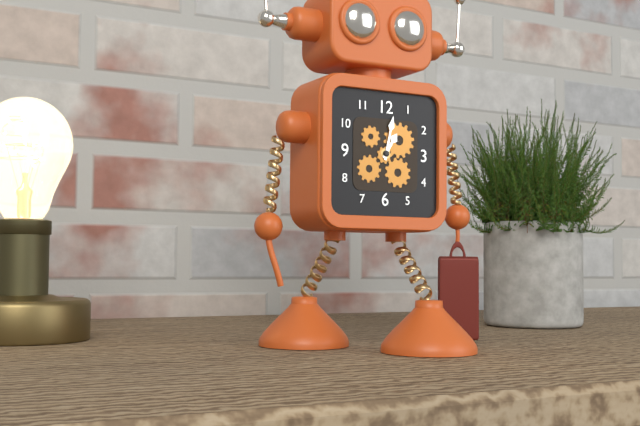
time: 1:02
